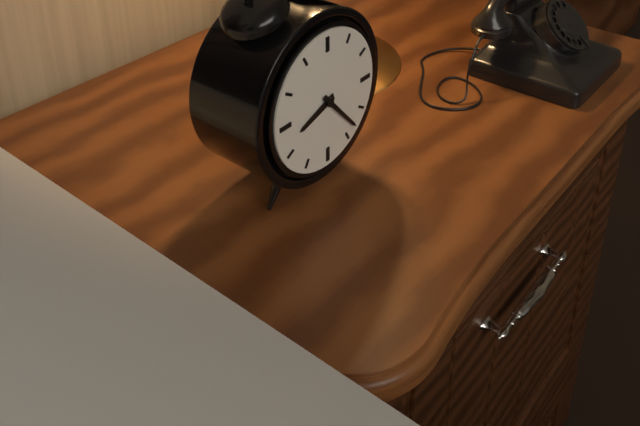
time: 8:23
